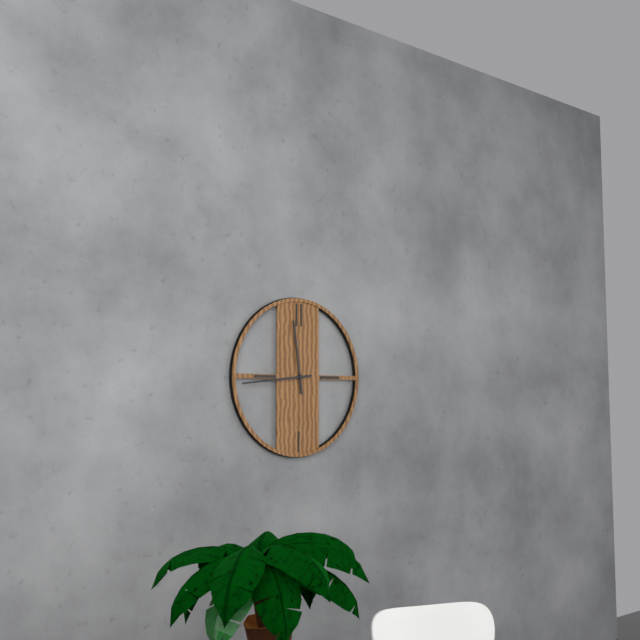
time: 11:44
